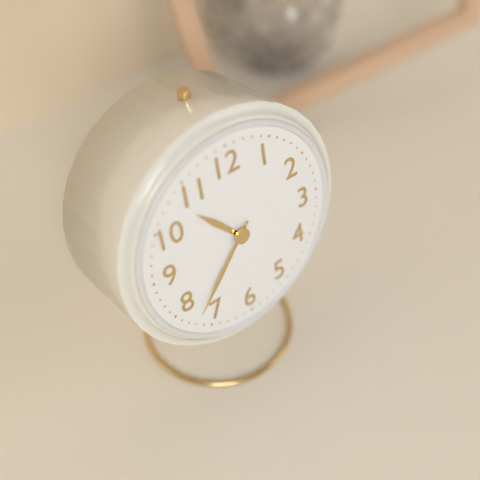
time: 10:37
